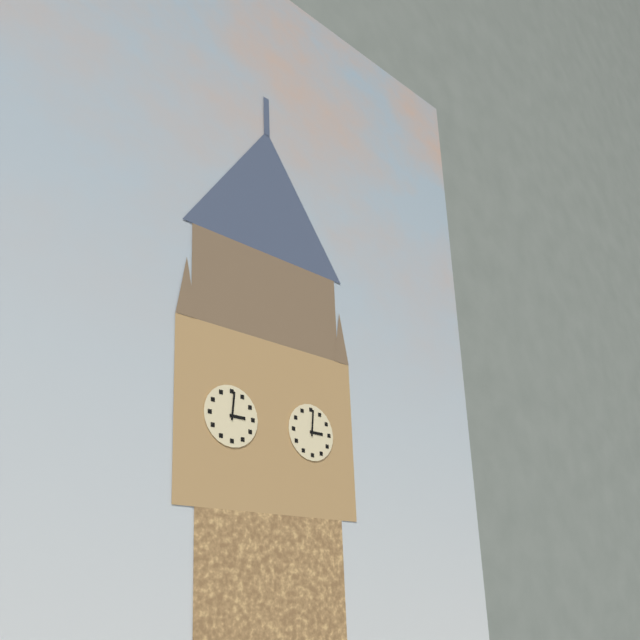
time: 3:01
